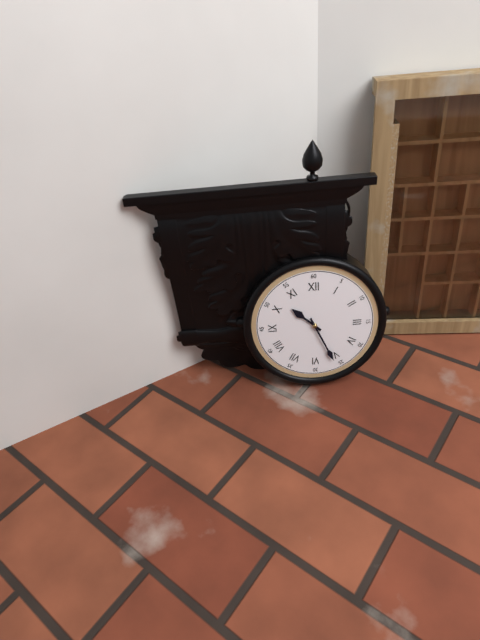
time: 10:26
